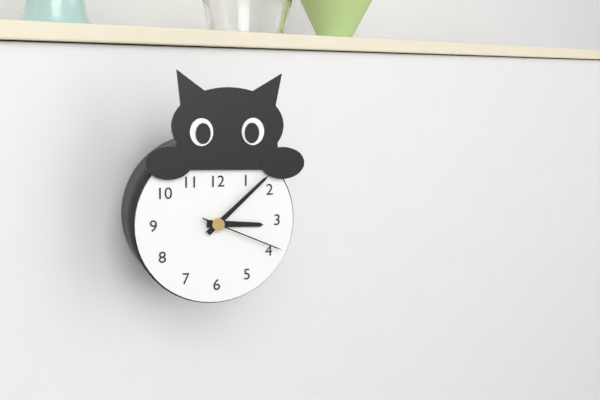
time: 3:08:19
